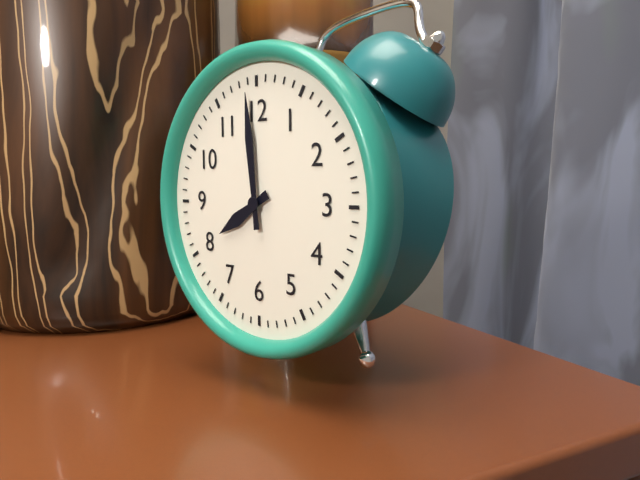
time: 7:59
